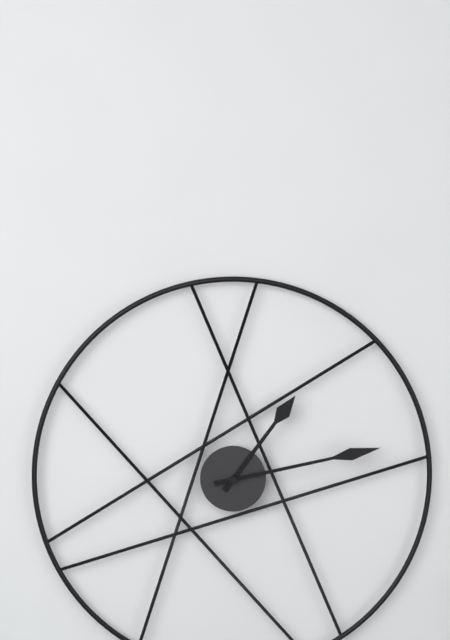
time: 1:13
